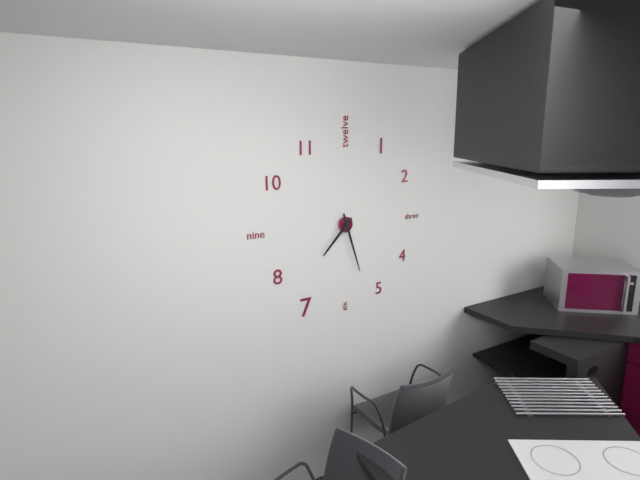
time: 7:27
